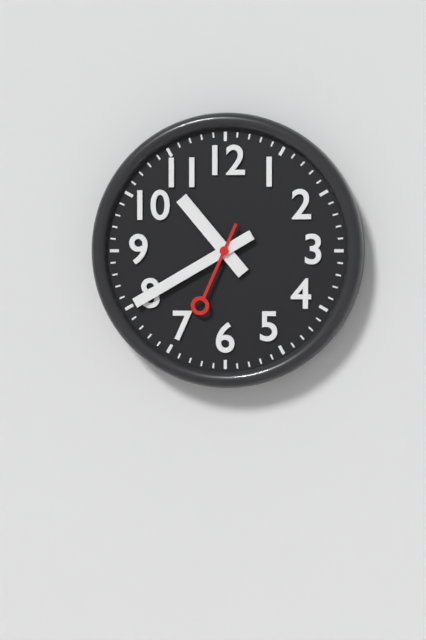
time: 10:40:34
